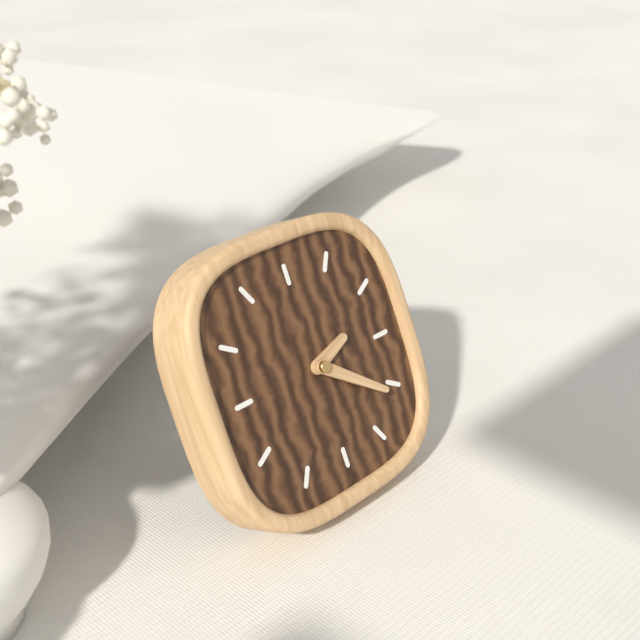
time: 2:21
